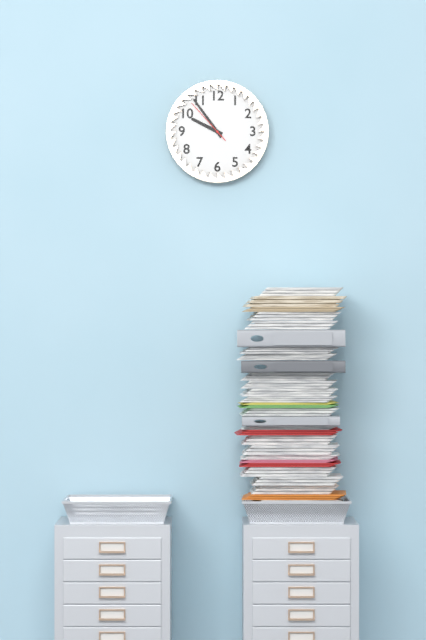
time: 9:54
